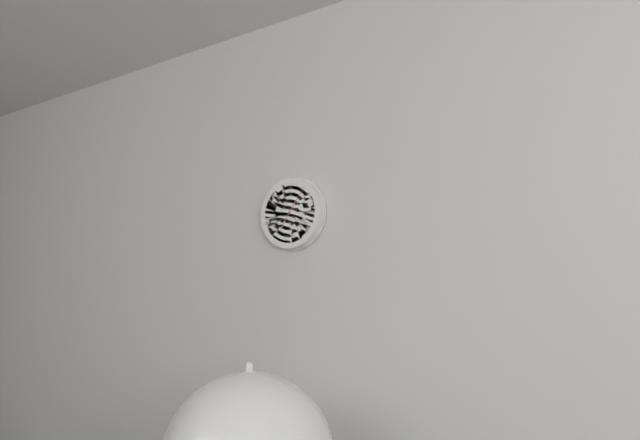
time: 7:06
